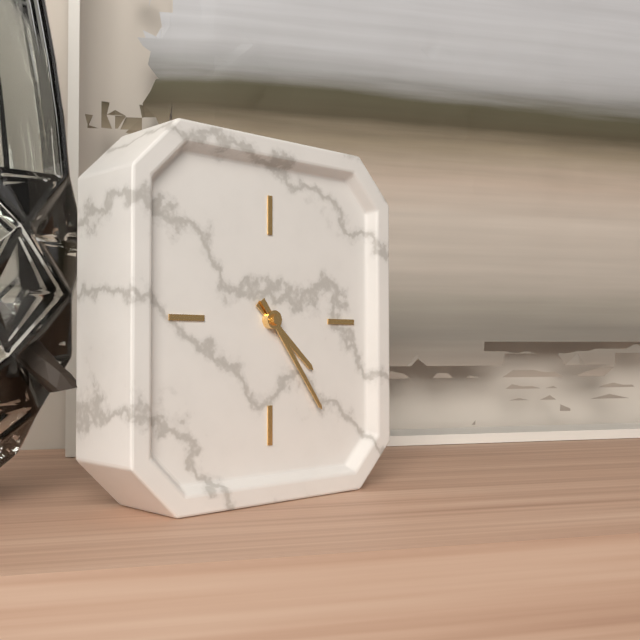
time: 4:24
